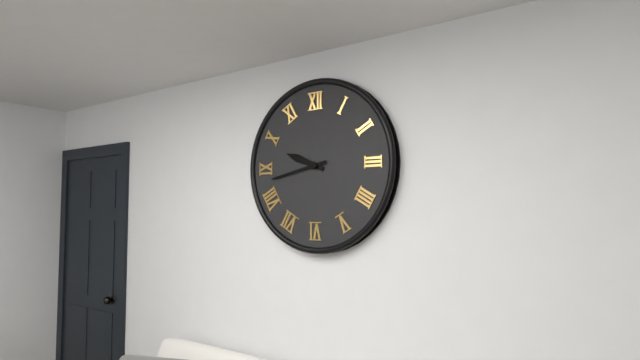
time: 9:43
